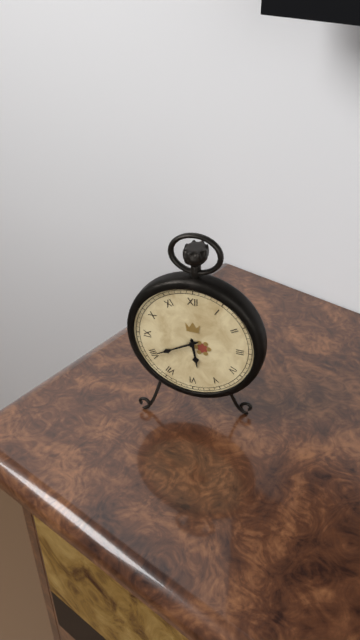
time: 5:40
